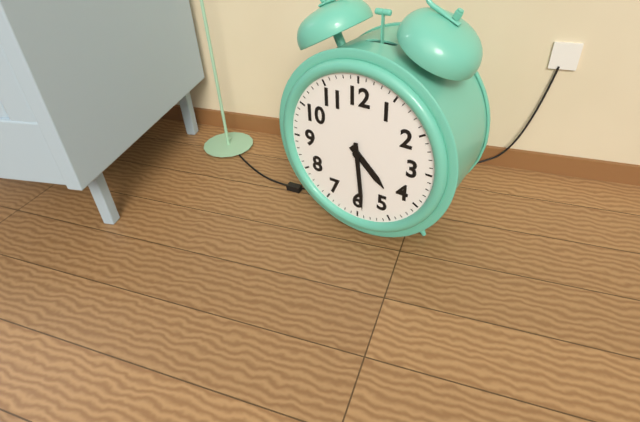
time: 4:29
